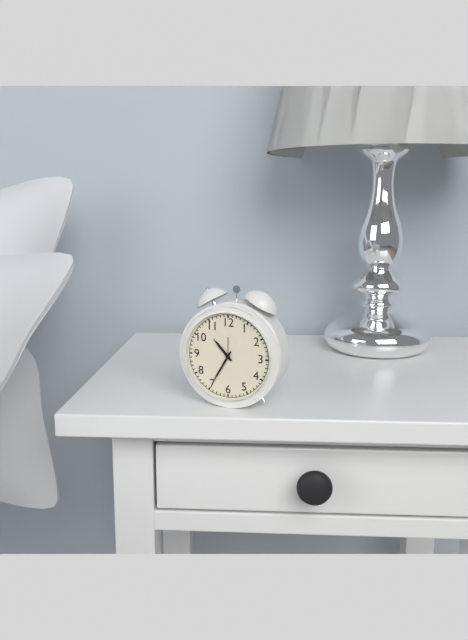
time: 10:35
